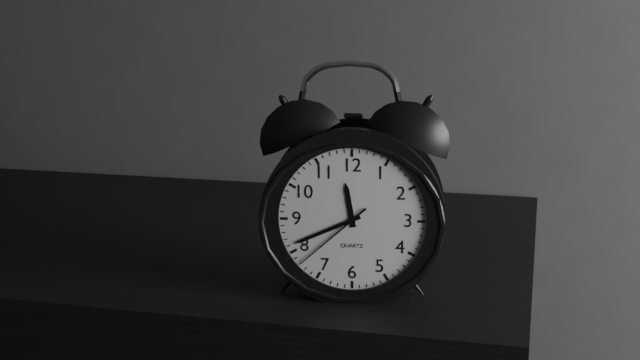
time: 11:41:38
